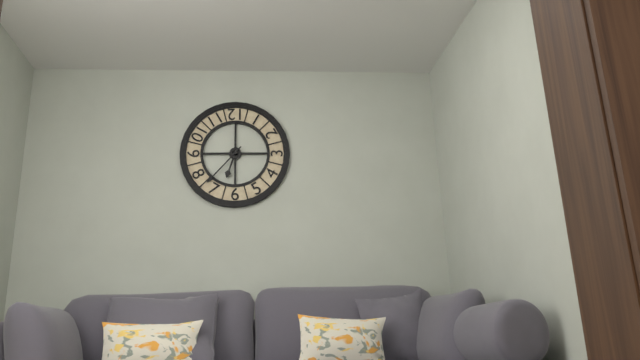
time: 6:37
